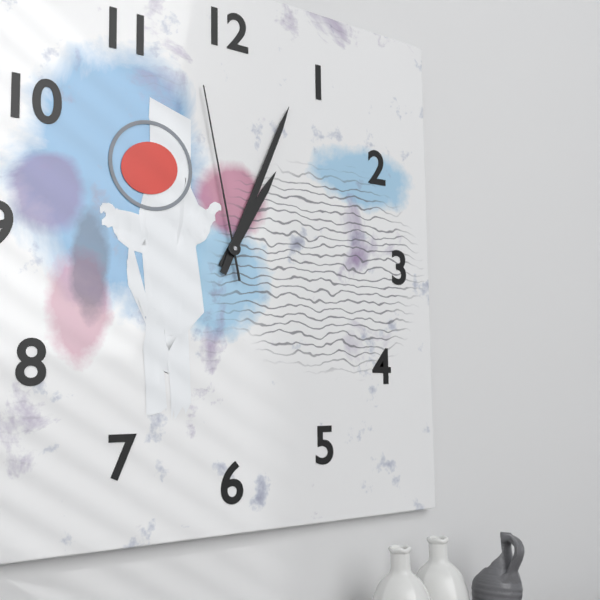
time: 1:04:58
